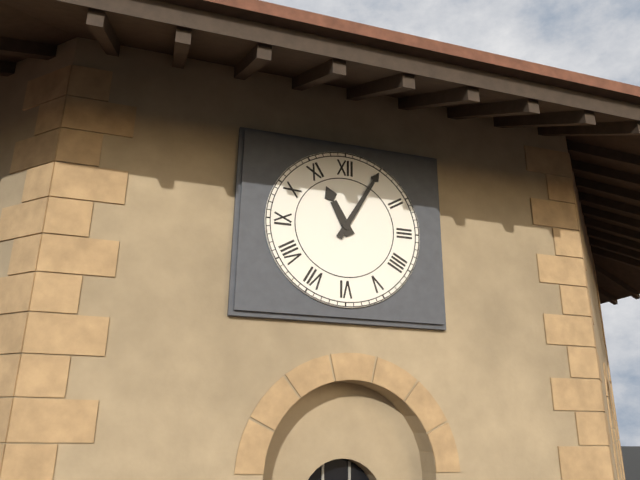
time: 11:05
